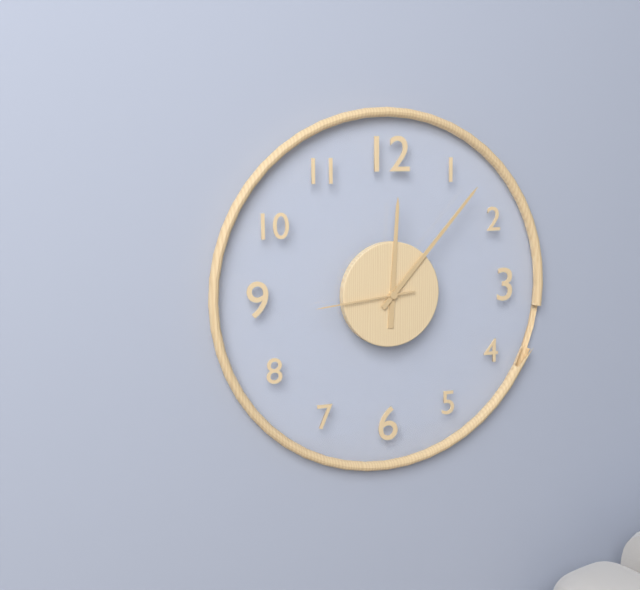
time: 12:07:44
